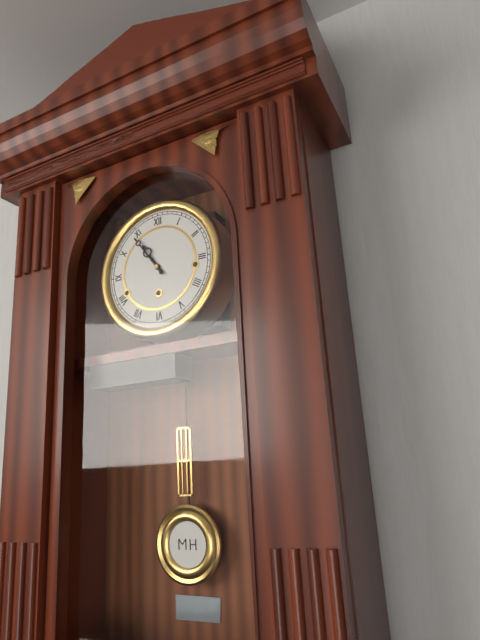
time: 10:54
